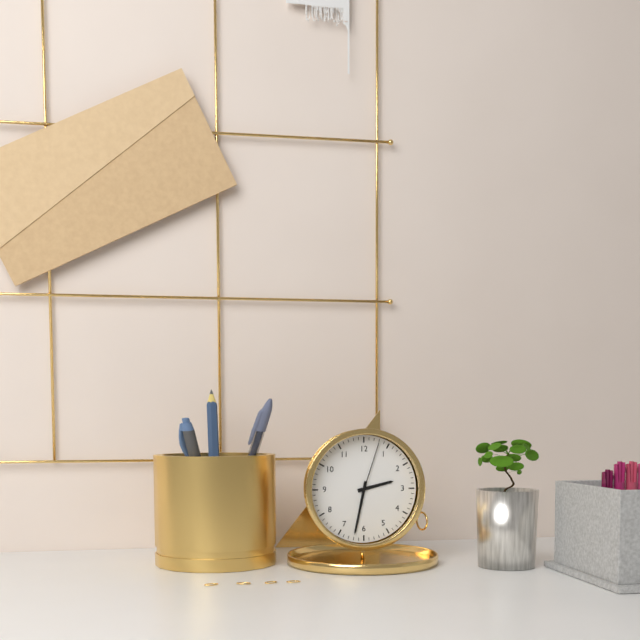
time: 2:32:03
